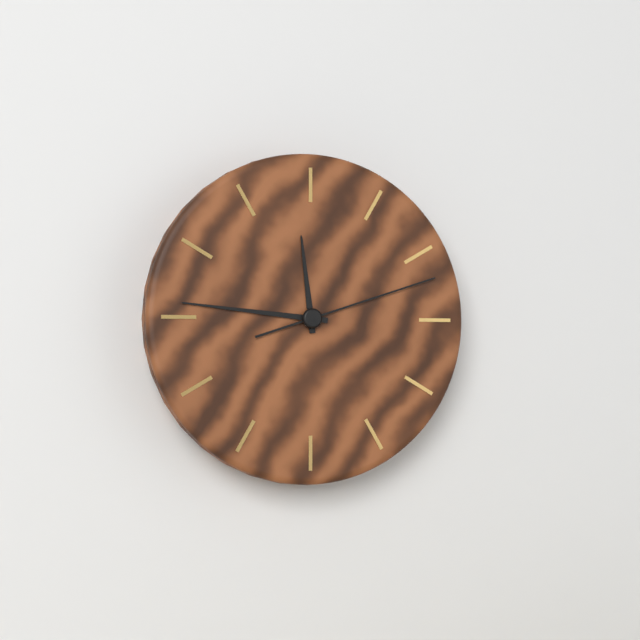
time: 11:46:12
